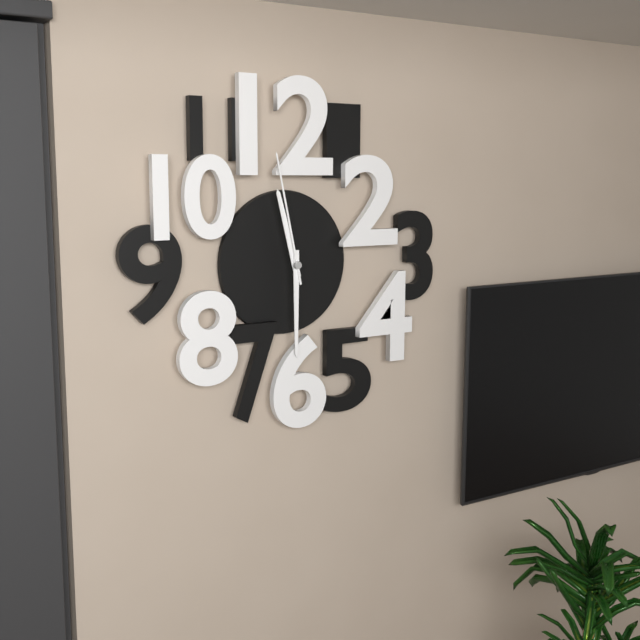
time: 11:30:58
